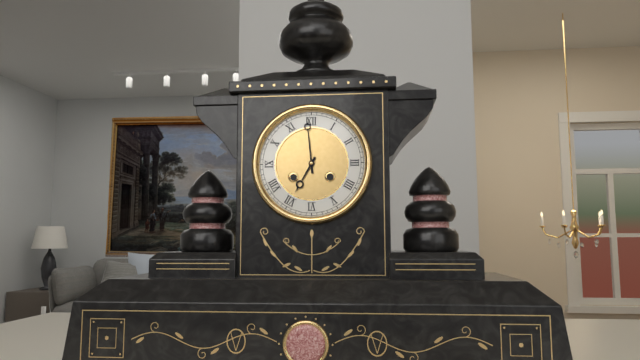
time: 6:59
